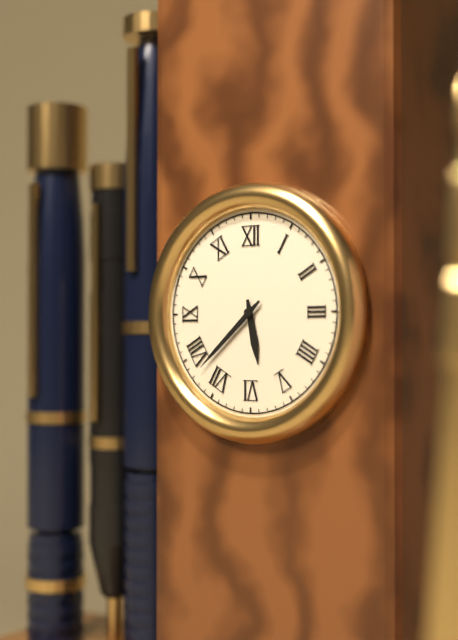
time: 5:38
